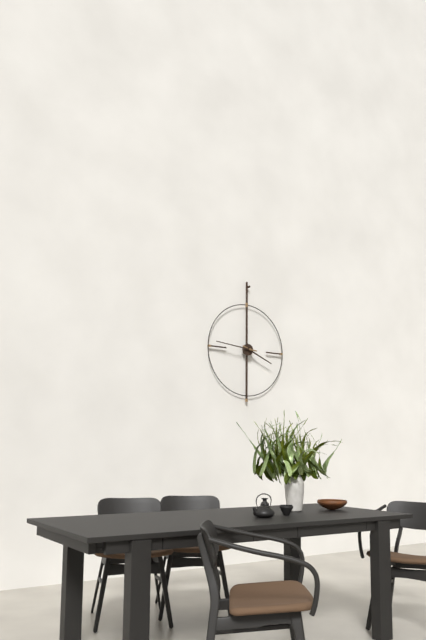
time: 3:46
